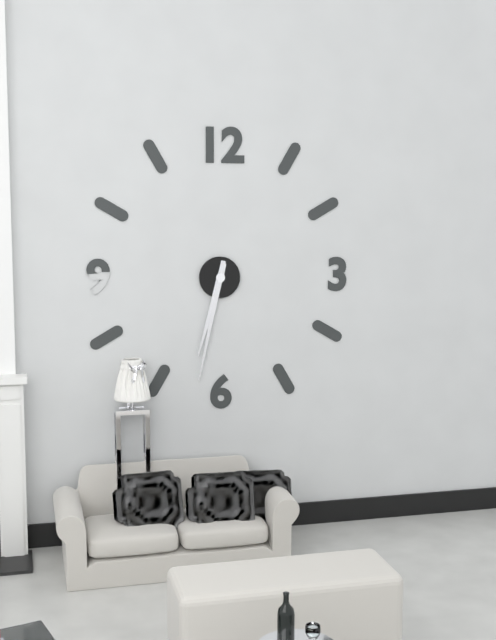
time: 6:32
